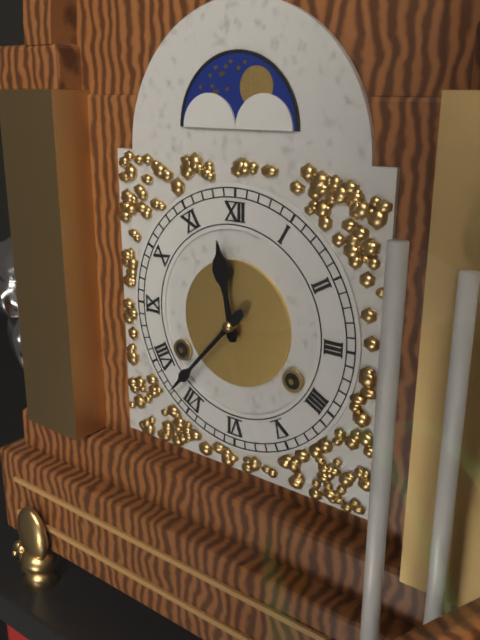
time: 11:37
